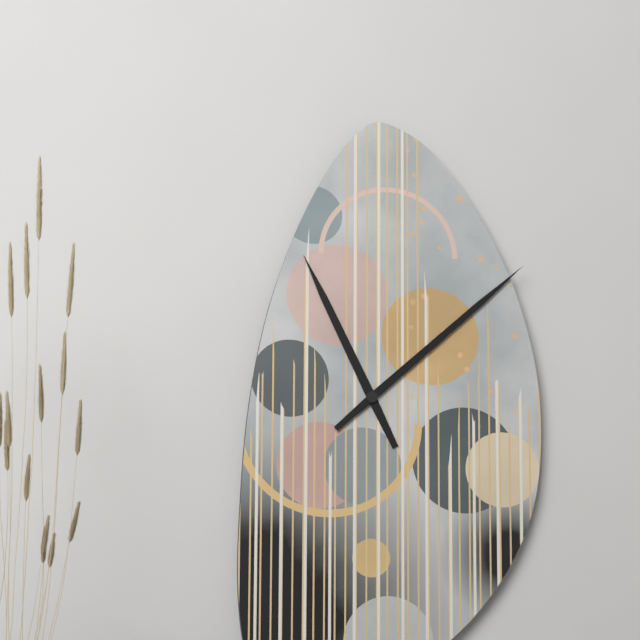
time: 11:08
